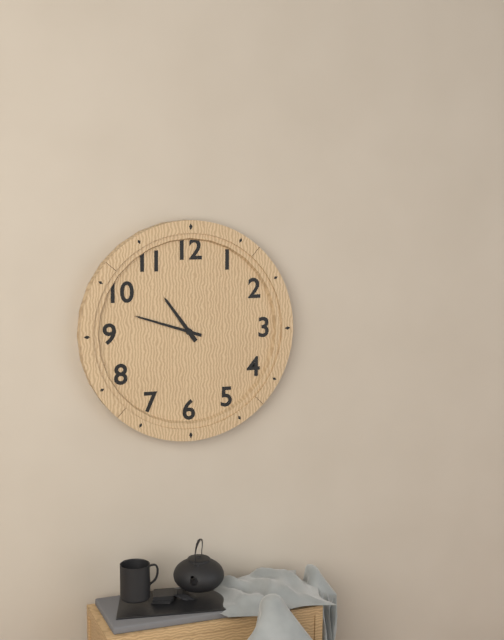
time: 10:48
